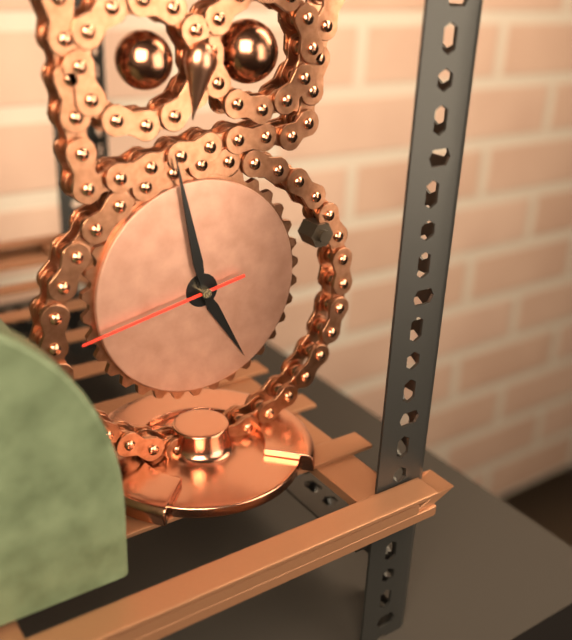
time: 4:58:43
